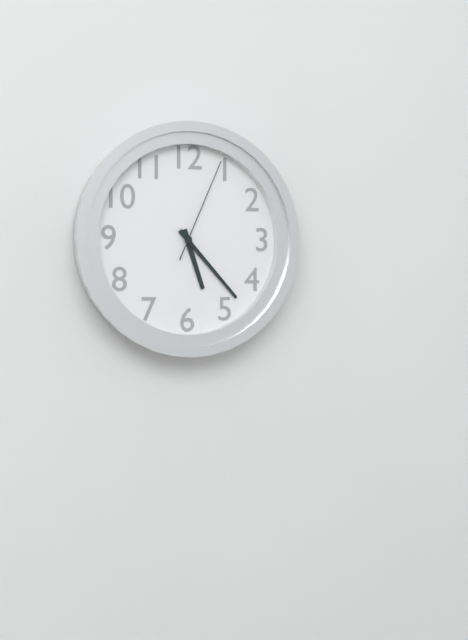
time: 5:23:04
